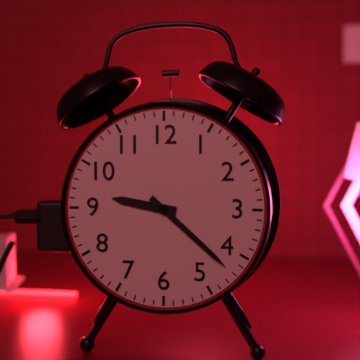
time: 9:22
